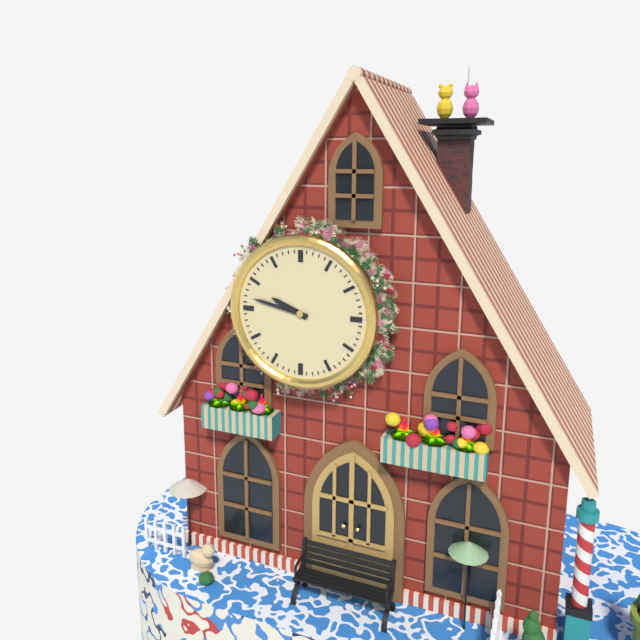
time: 9:47
